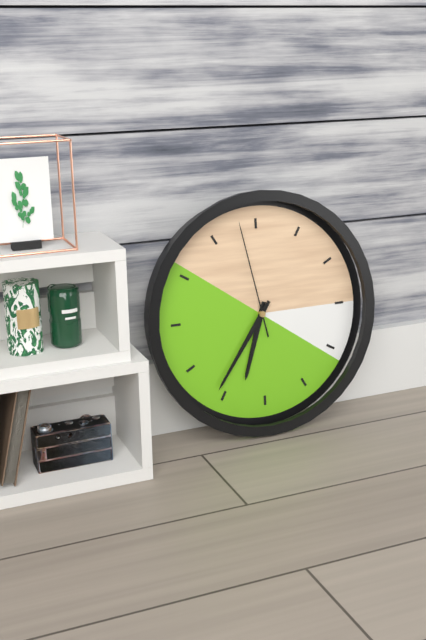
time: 6:36:58
